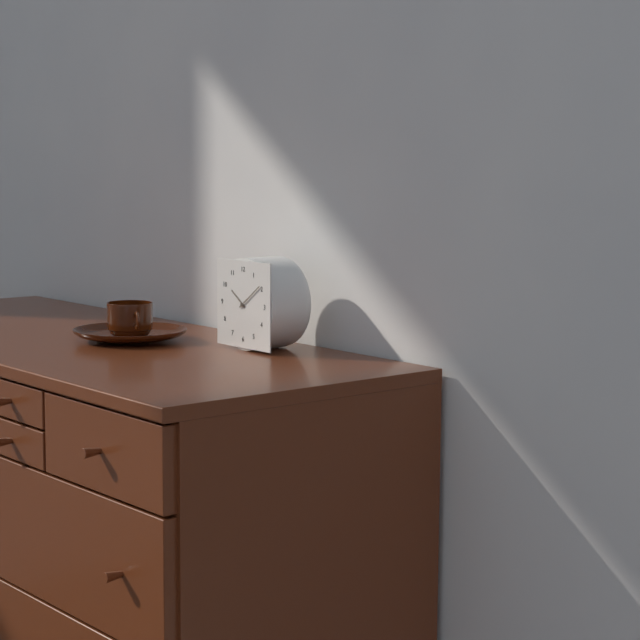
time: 10:09
